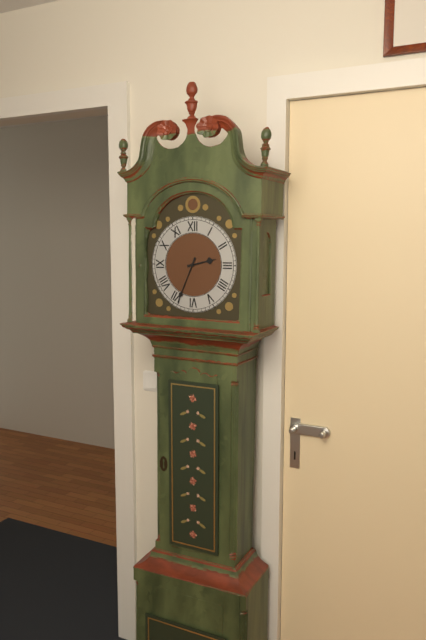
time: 2:34
